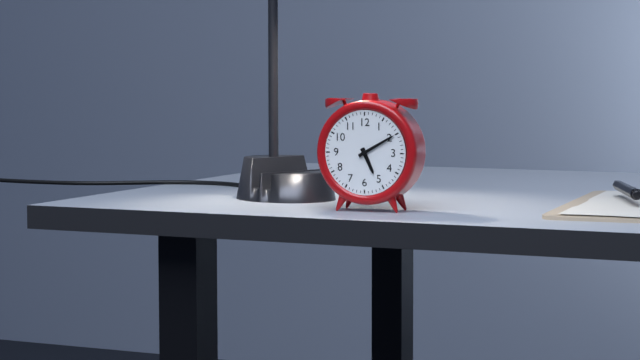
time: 5:10
